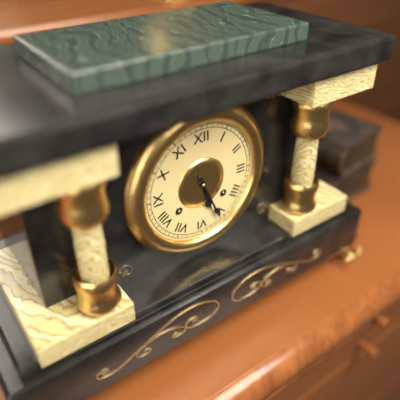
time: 5:26
